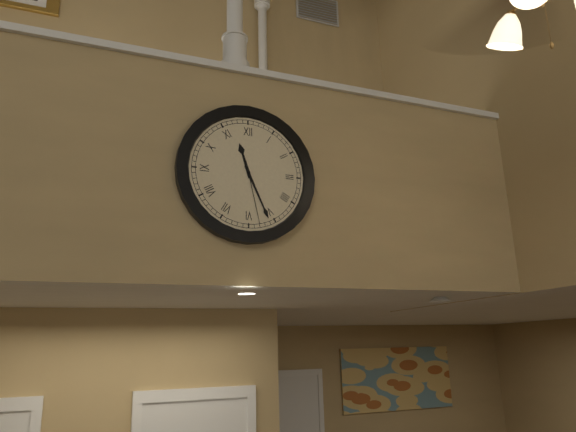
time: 11:26:28
